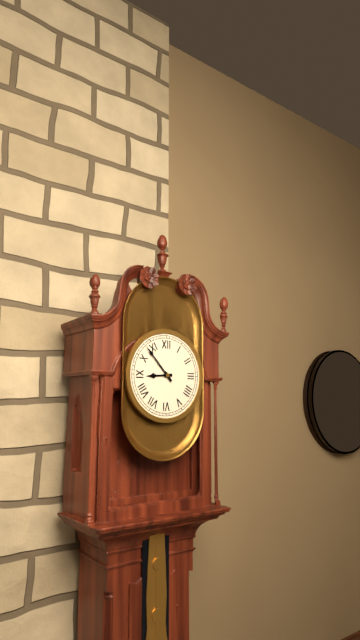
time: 8:53
